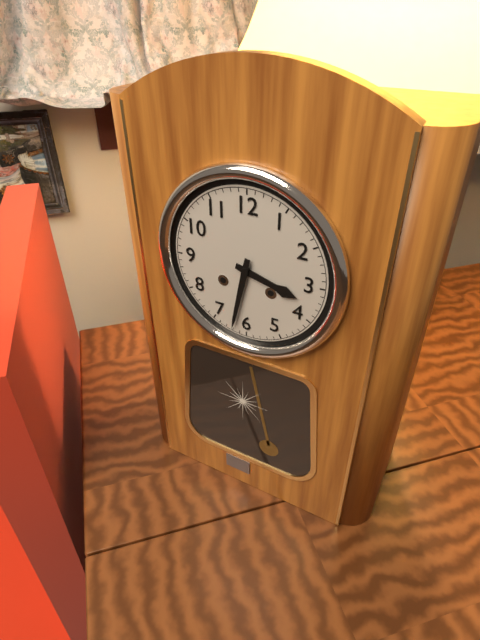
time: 3:32
